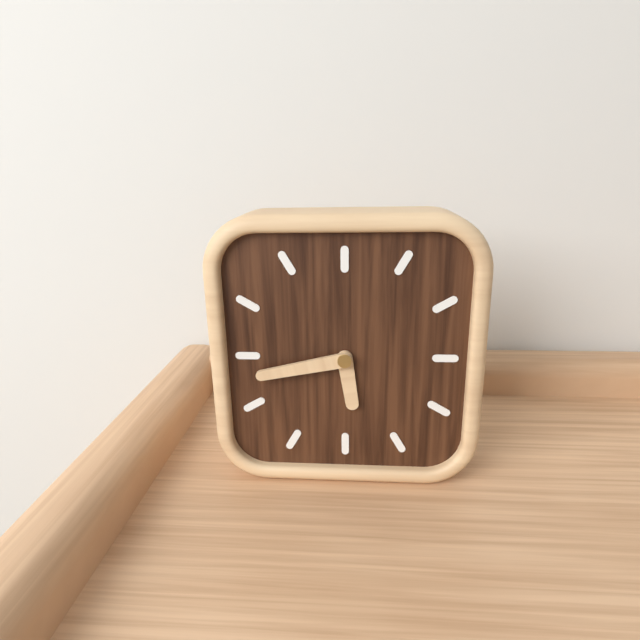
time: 5:43
